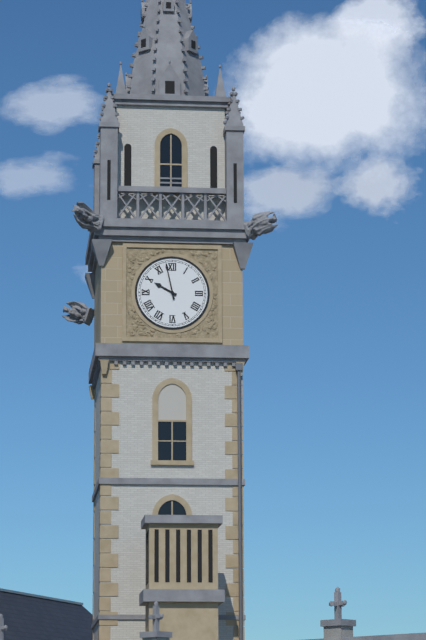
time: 9:58
